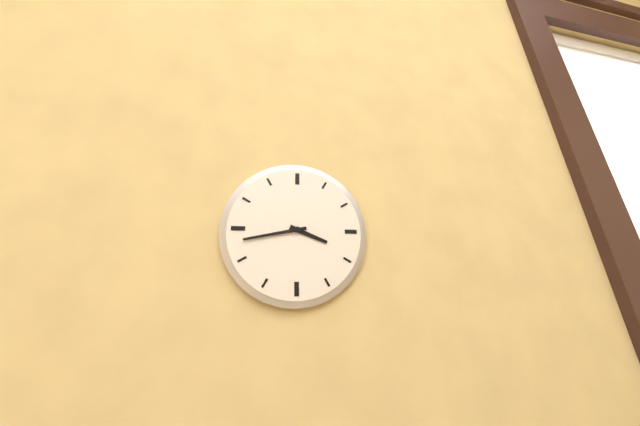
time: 3:43
